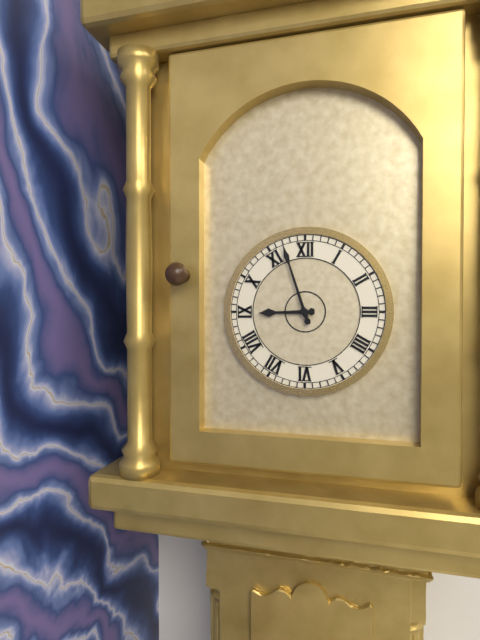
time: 8:57
